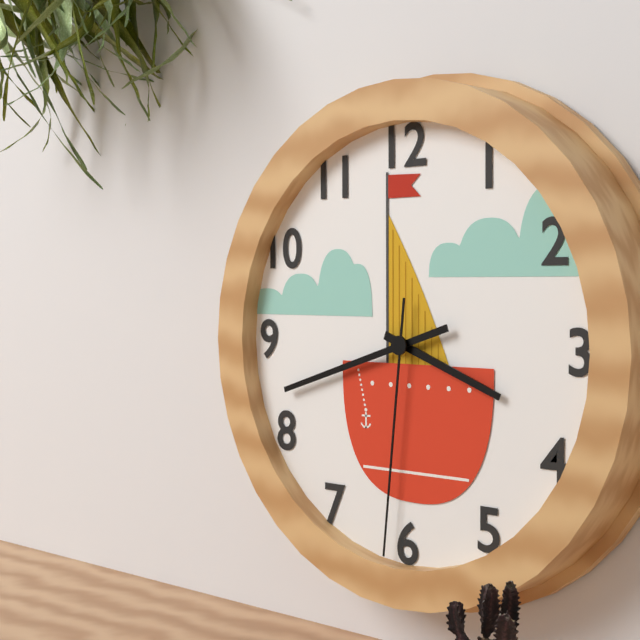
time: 3:42:31
